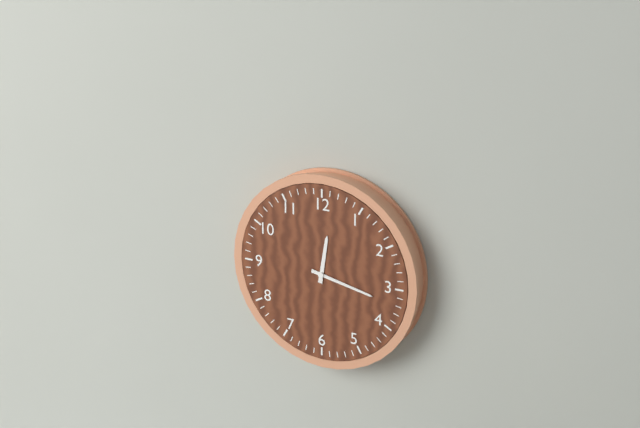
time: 12:17
